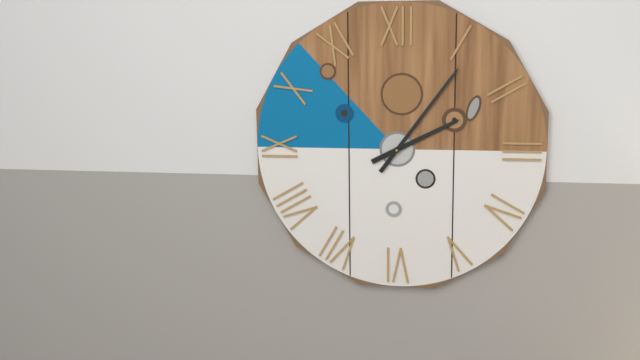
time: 2:06
